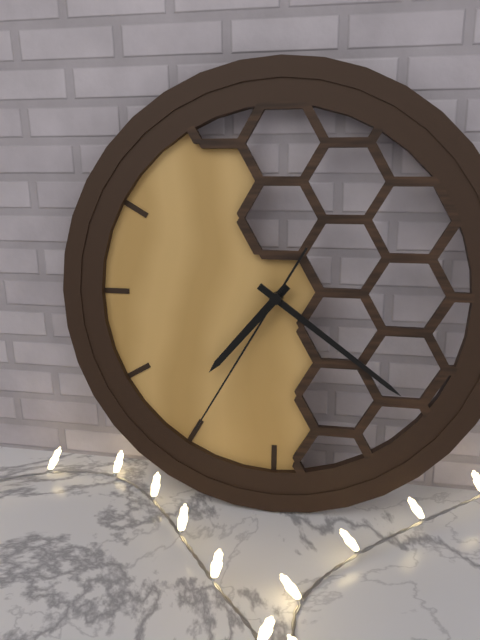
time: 7:21:35
